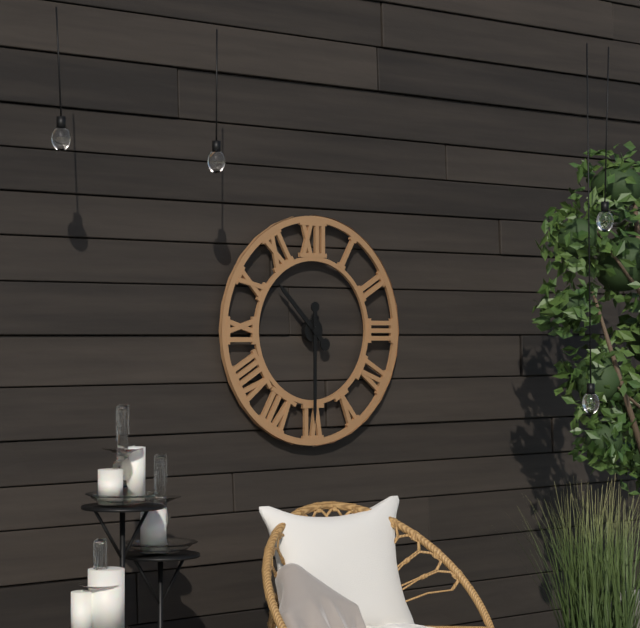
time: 10:30
